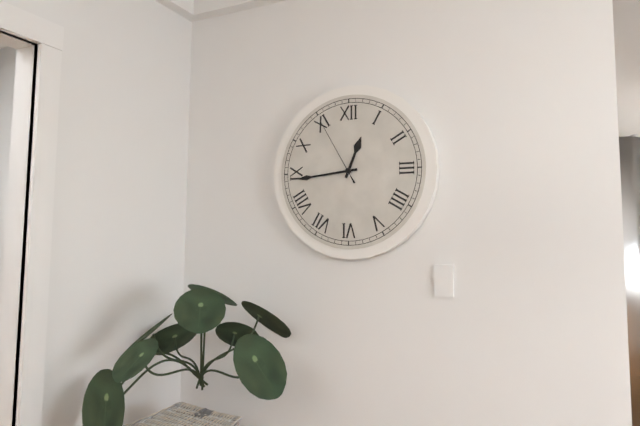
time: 12:44:55
